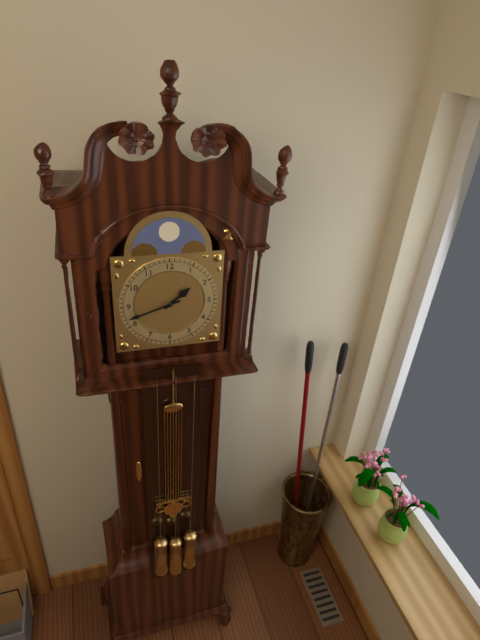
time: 1:42
